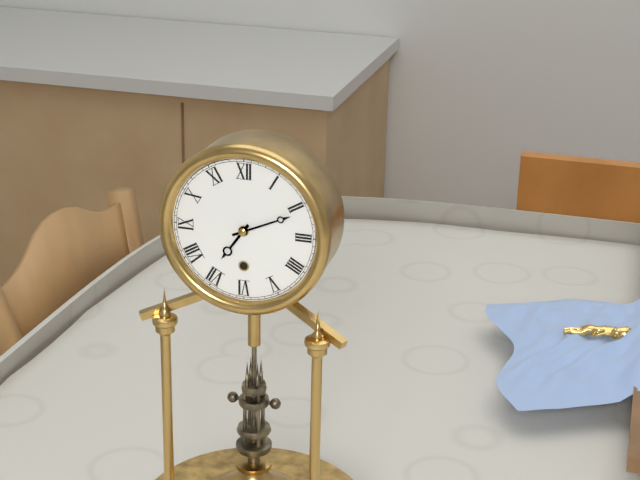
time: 7:11
